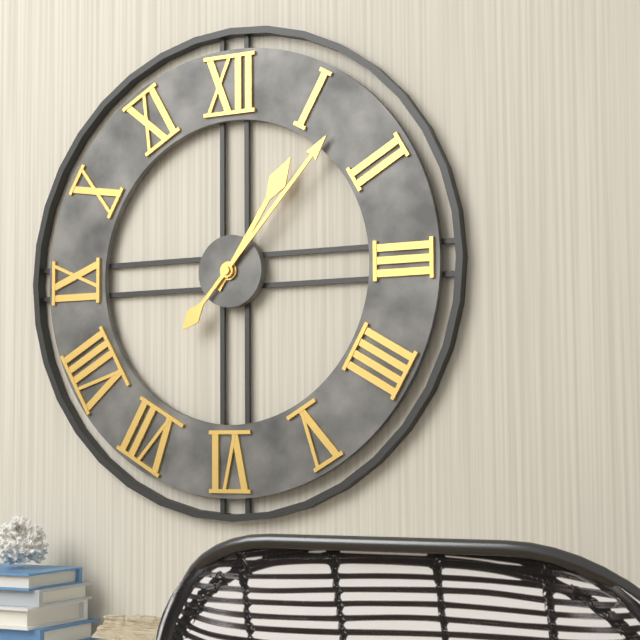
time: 1:07
